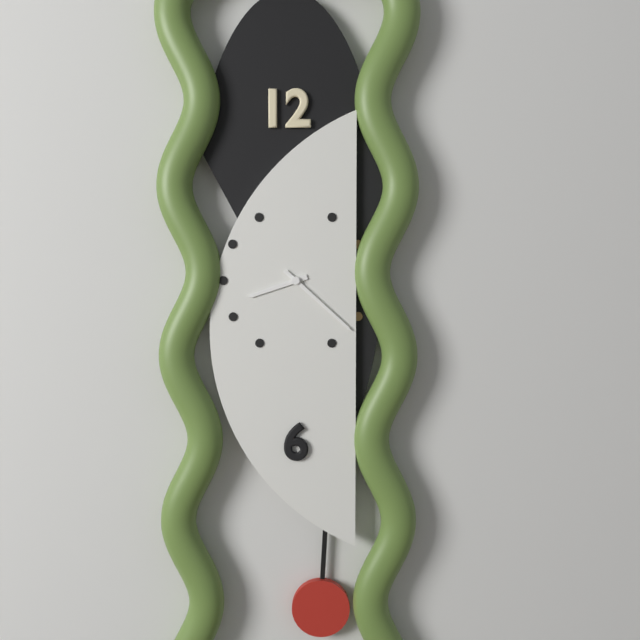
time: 8:22
